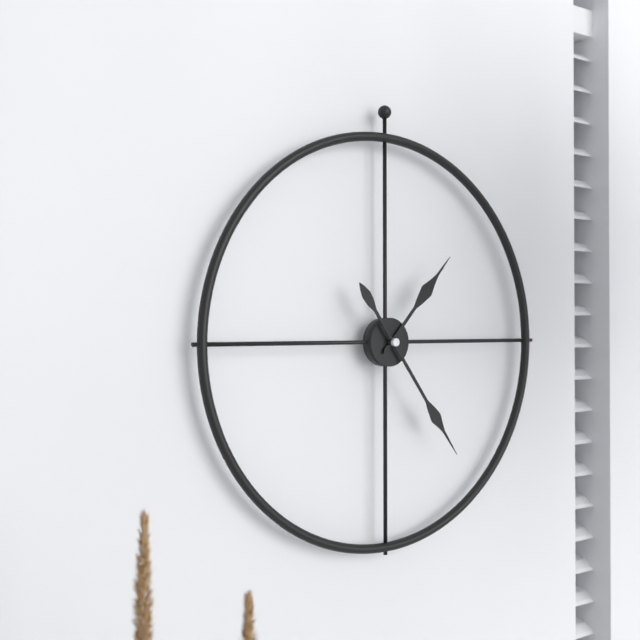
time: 1:24
